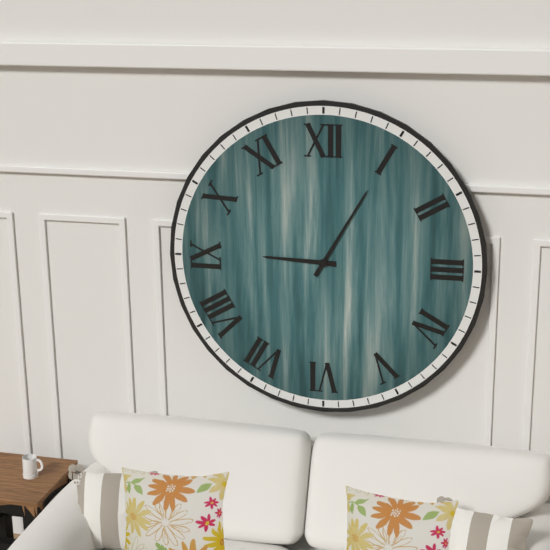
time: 9:05
